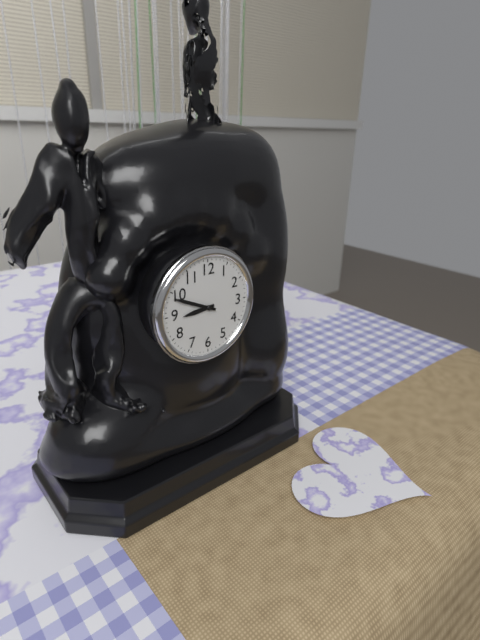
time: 8:49
